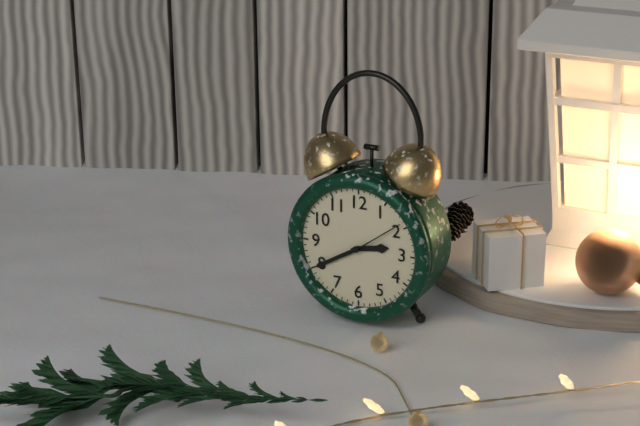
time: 2:40:09
